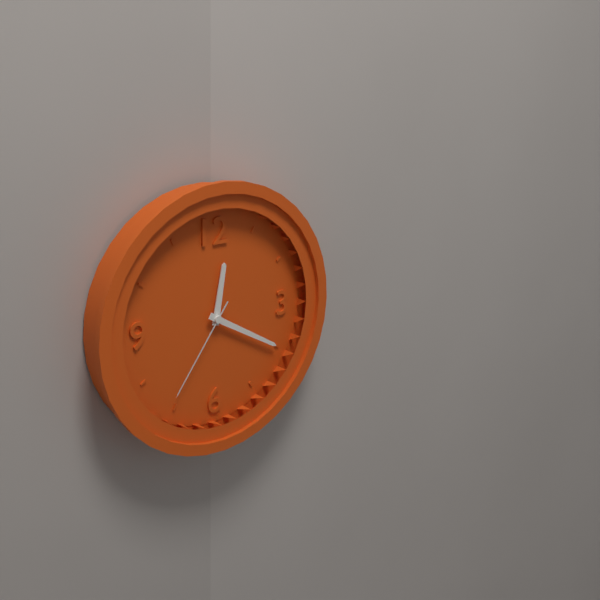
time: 12:20:36
